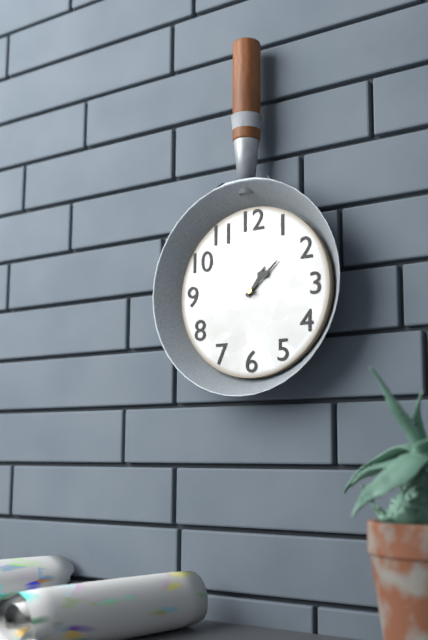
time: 1:08
